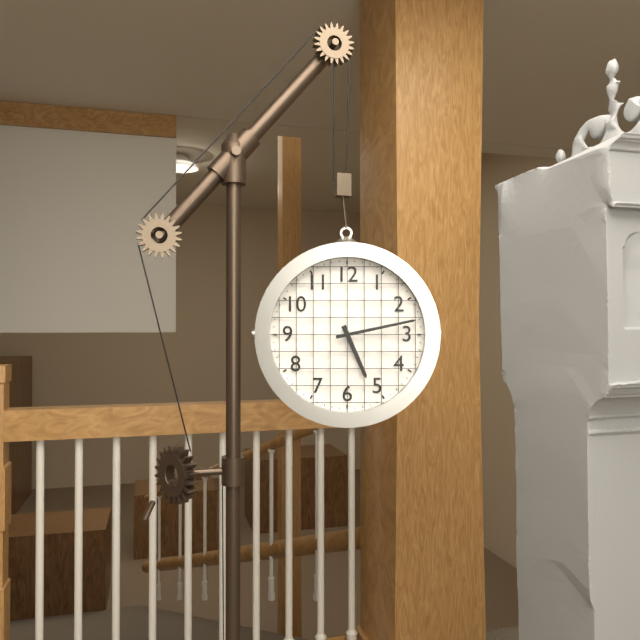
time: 5:13
